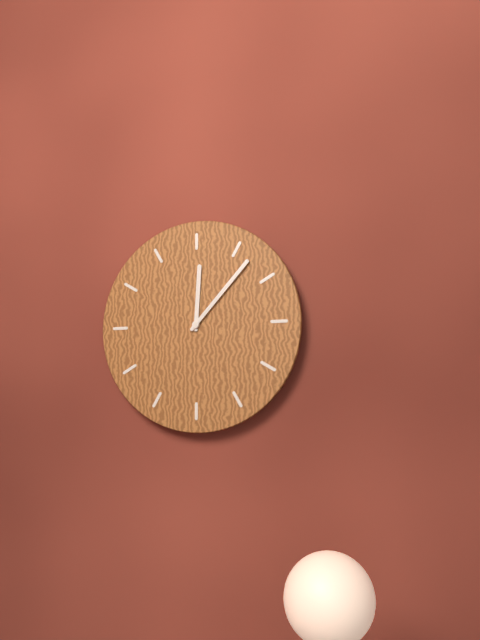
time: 12:07
